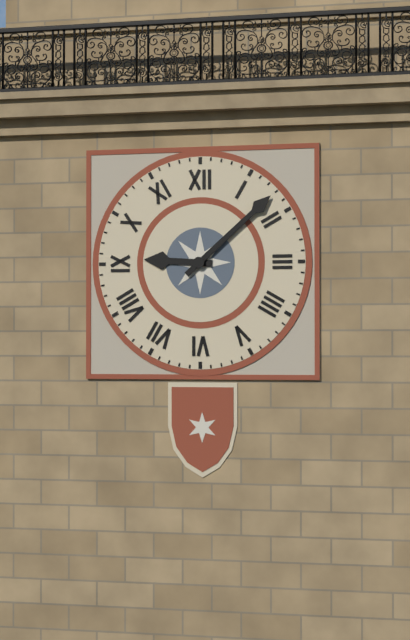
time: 9:08
